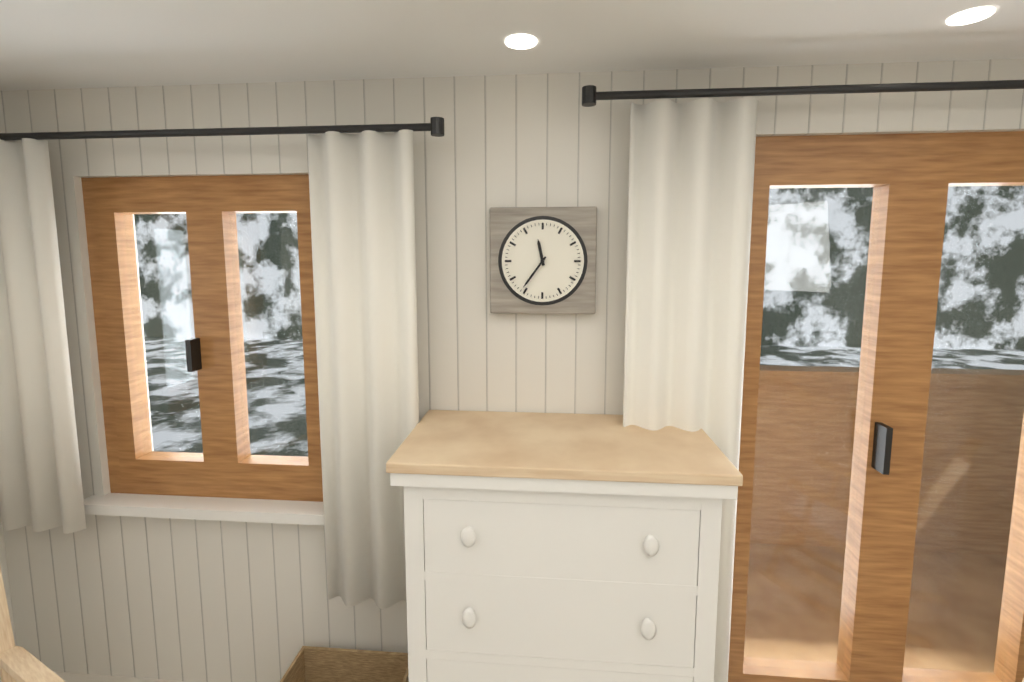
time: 11:36
